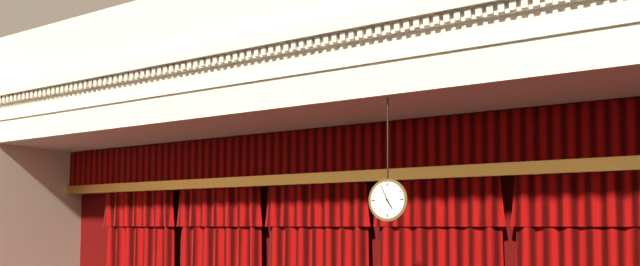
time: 4:56
